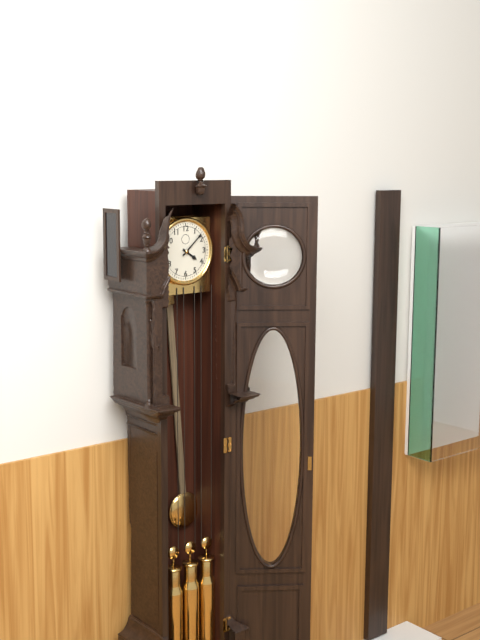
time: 4:08
